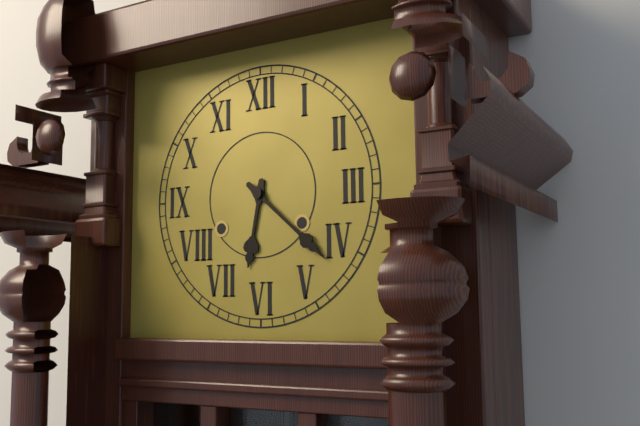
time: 6:22
